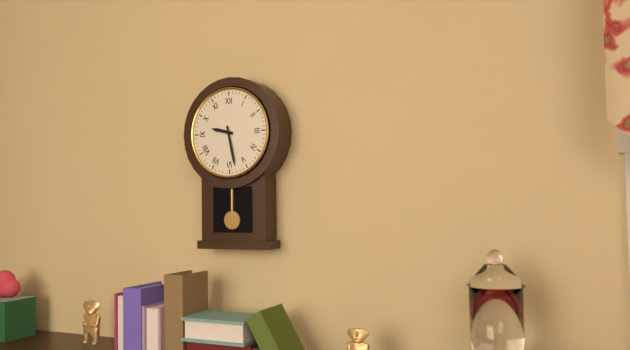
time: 9:28
